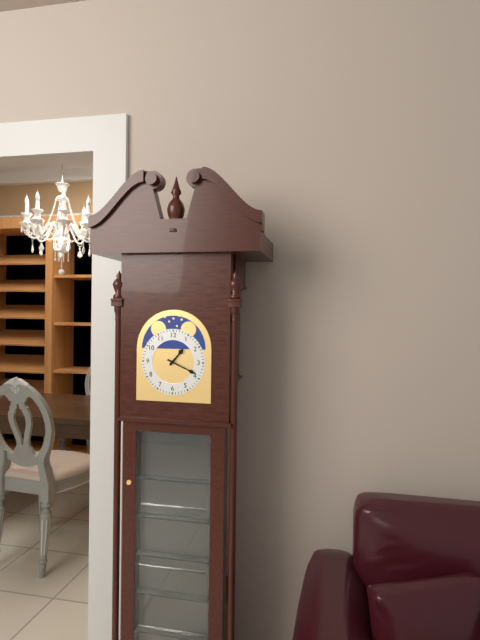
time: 1:19
